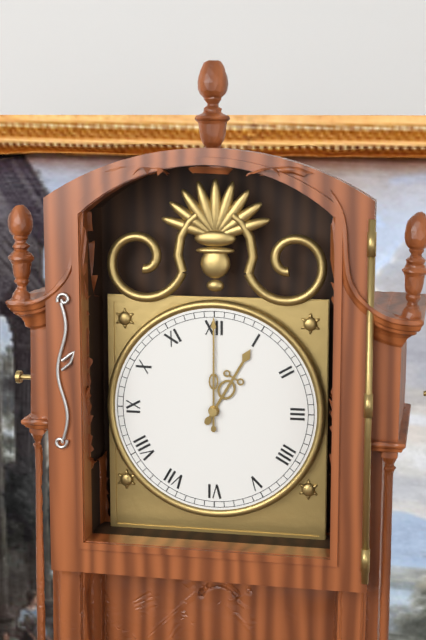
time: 1:00
